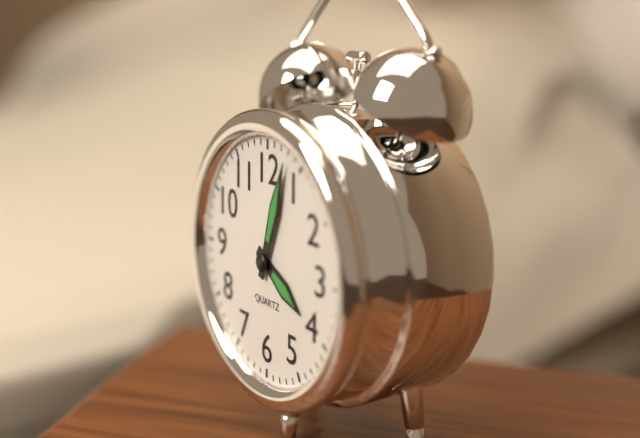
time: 4:03
